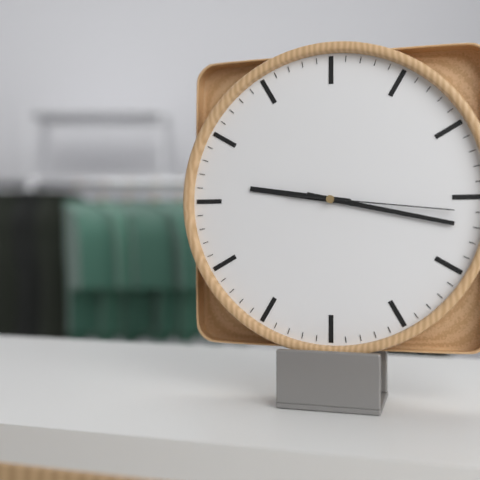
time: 9:17:16
